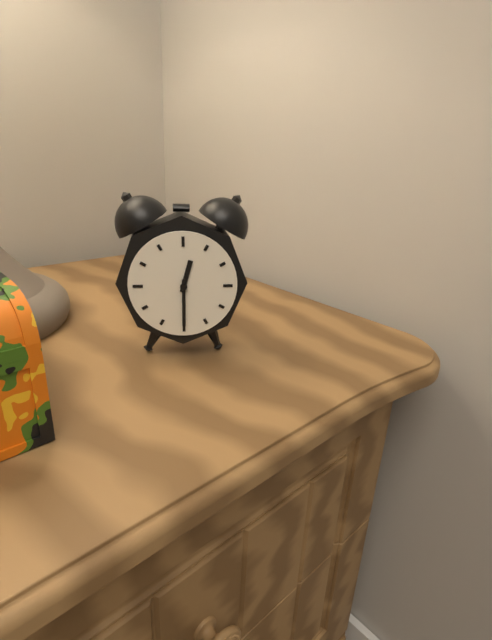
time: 12:30
